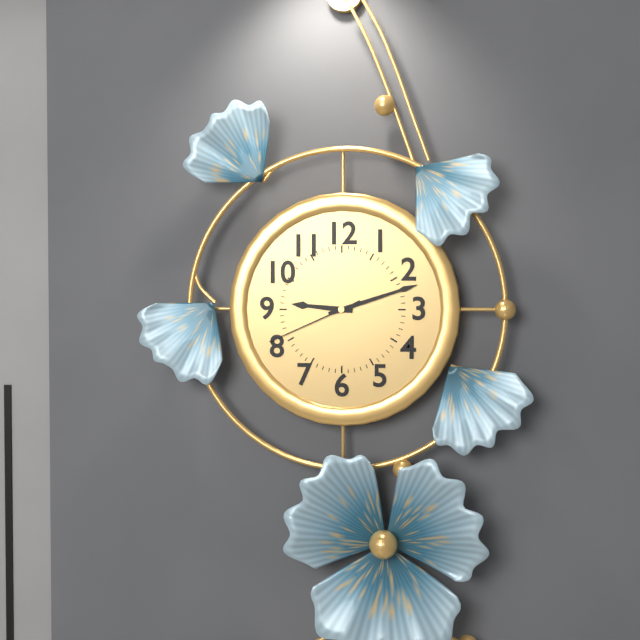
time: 9:12:41
